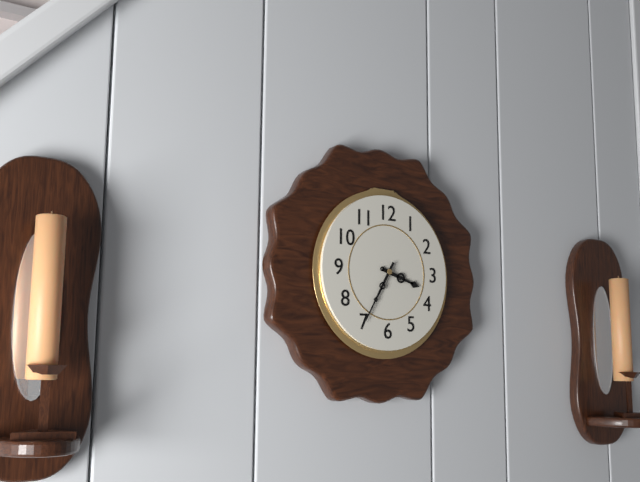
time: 3:35
